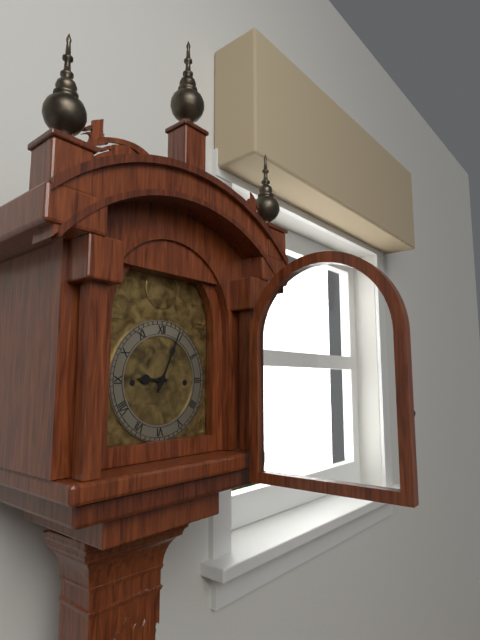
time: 9:04
